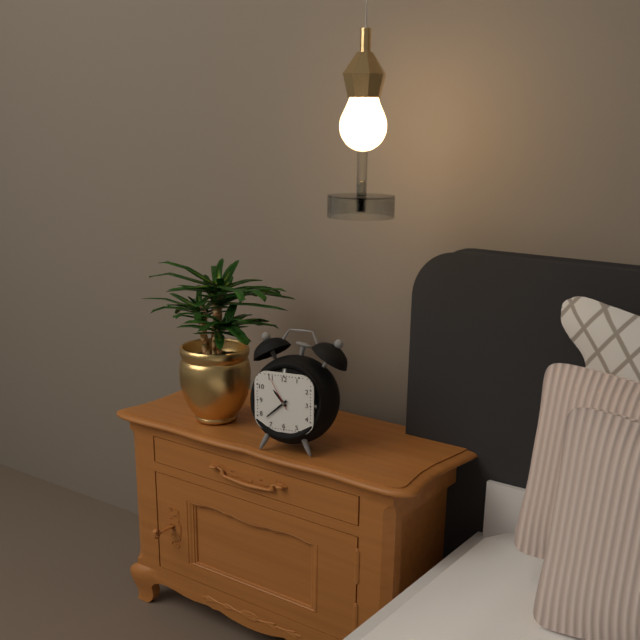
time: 10:38
